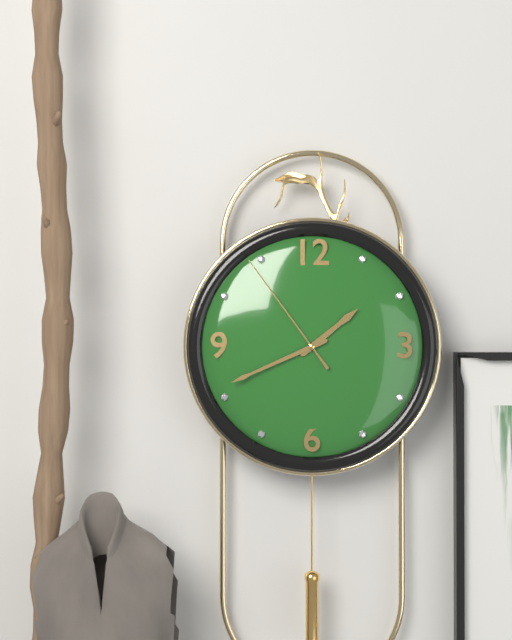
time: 1:41:54
